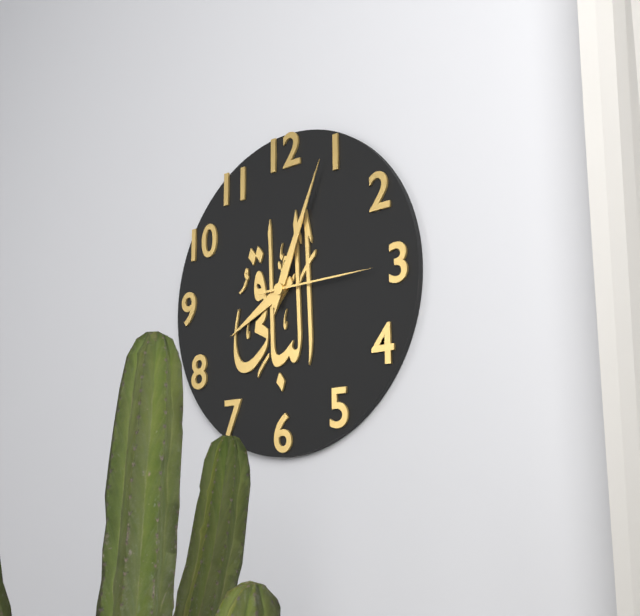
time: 8:04:15
